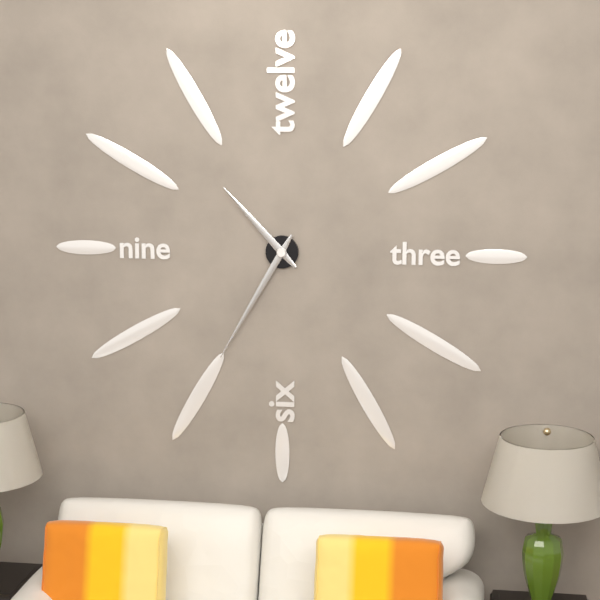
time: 10:35
